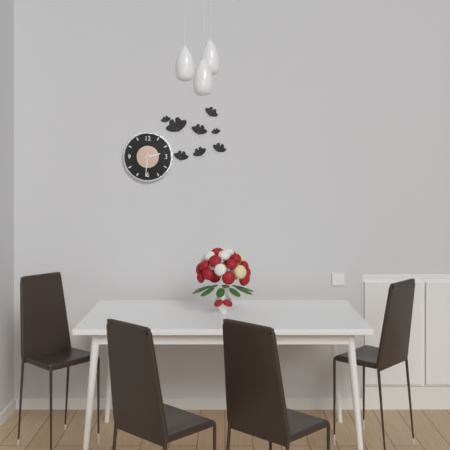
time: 2:31
